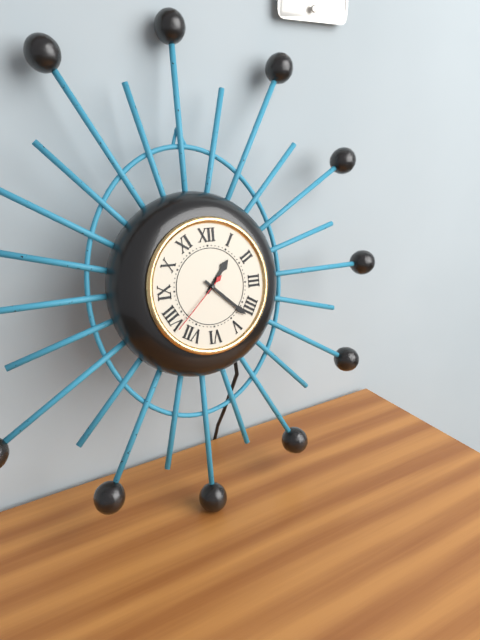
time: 1:22:38
